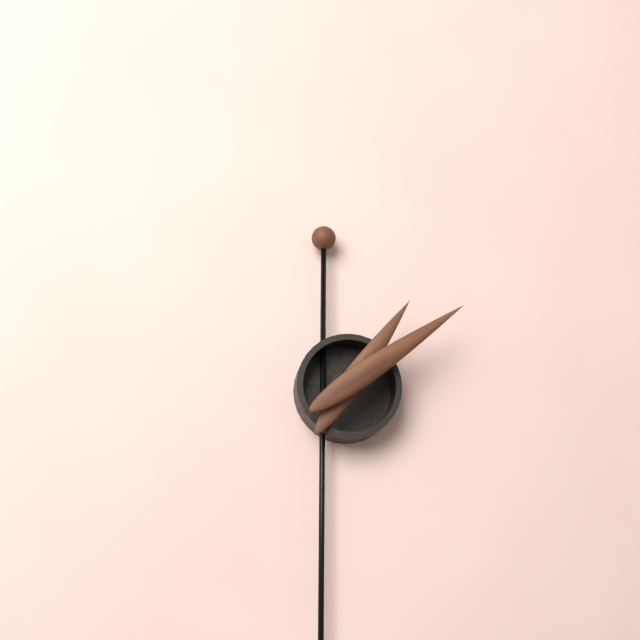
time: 1:09
